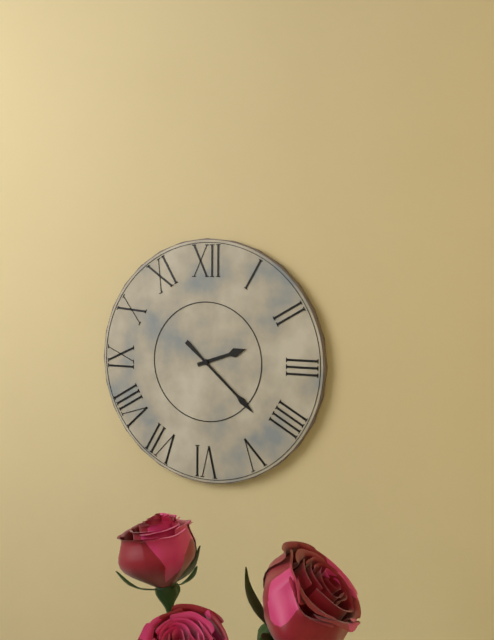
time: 2:22
